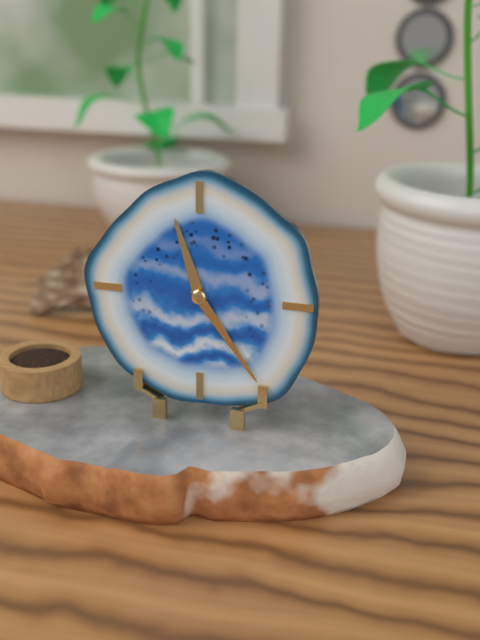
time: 11:24
